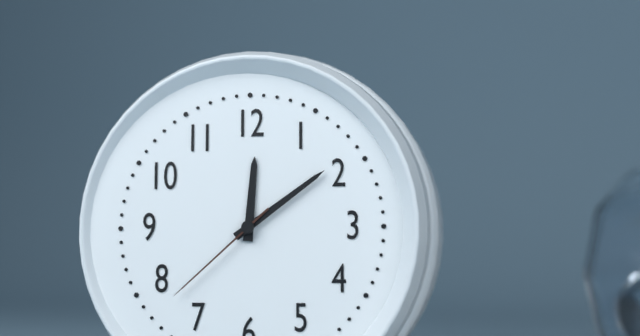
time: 12:09:38
